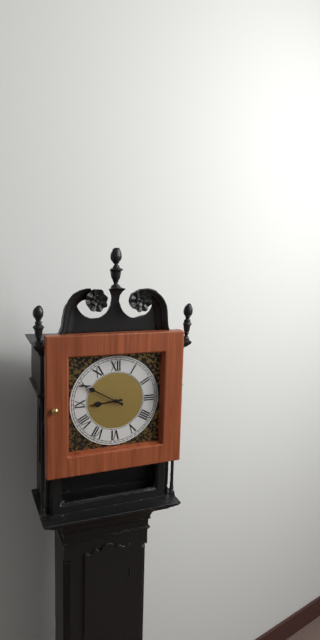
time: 8:50
